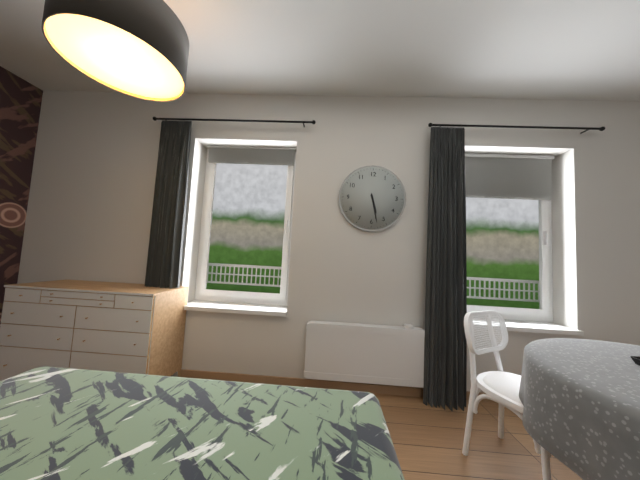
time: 5:28
